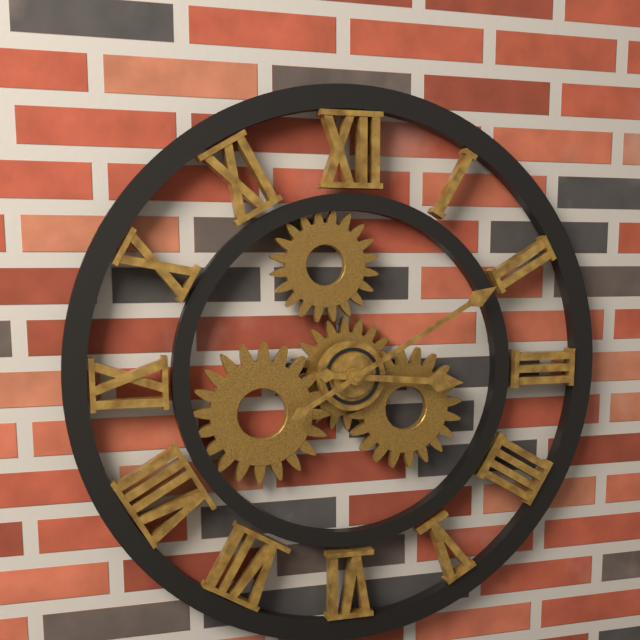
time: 3:10
